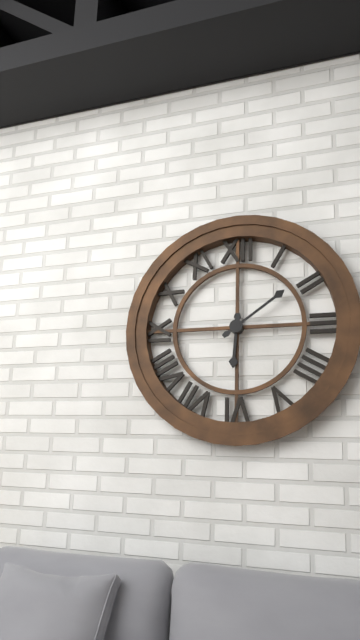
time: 6:09
